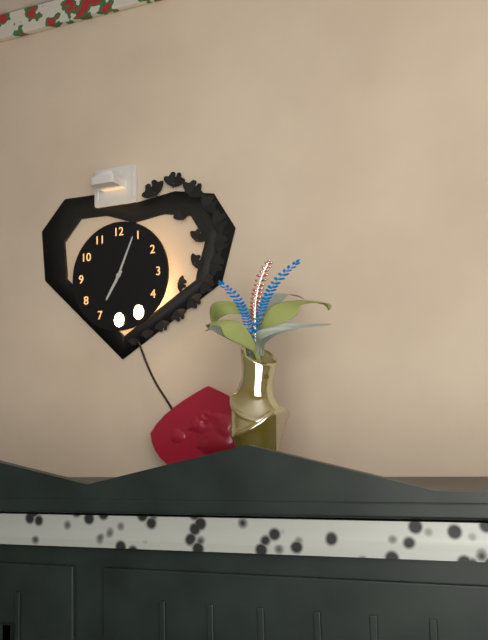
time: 7:04
